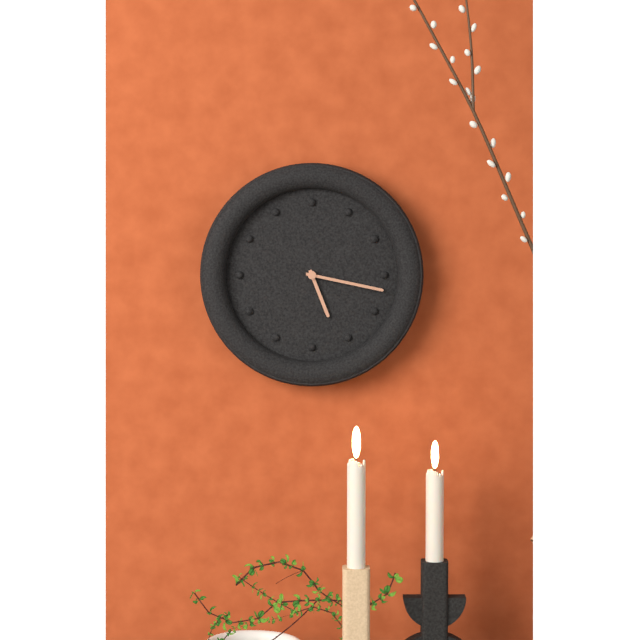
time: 5:17
